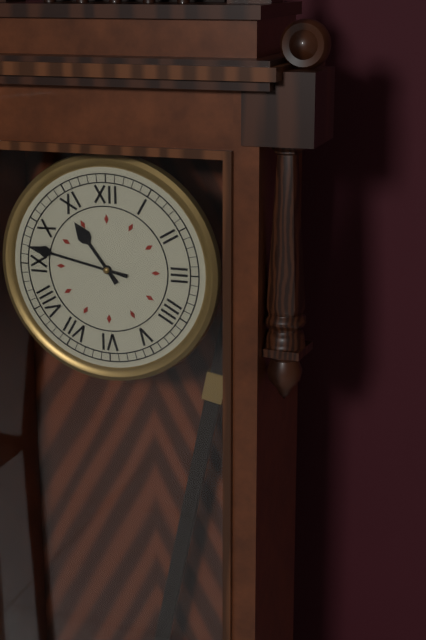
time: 10:47
